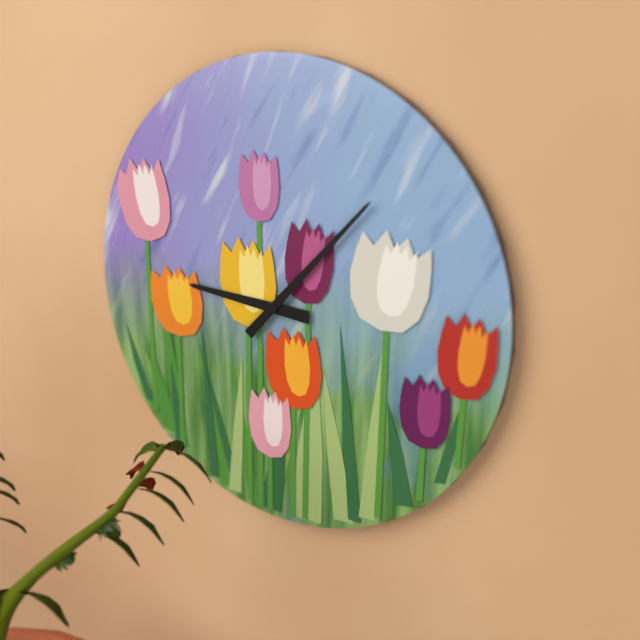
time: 9:07
